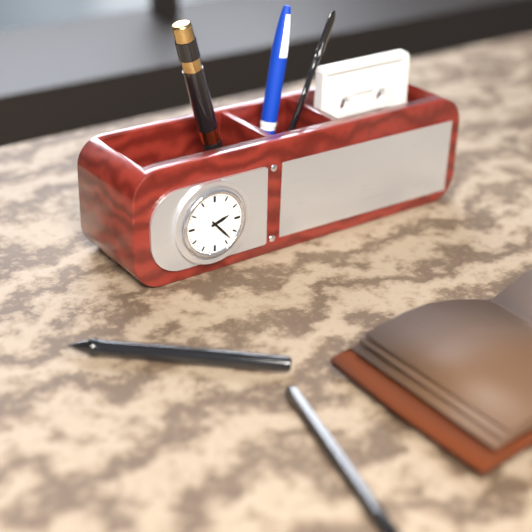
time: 2:23
